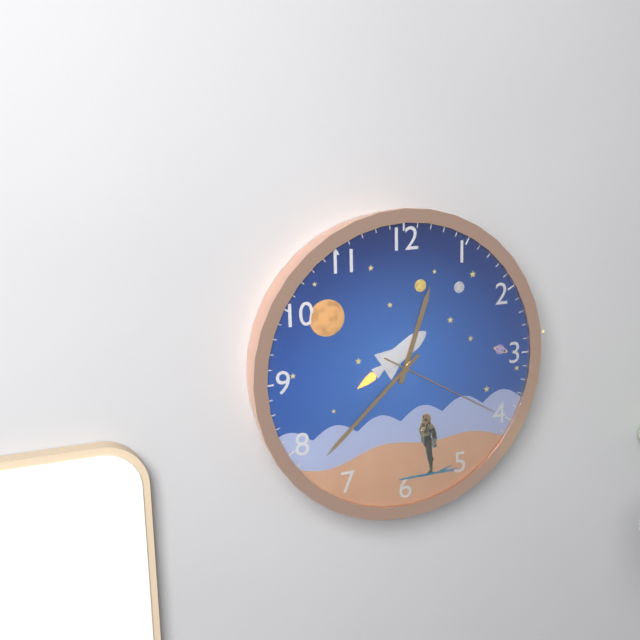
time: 12:38:20
